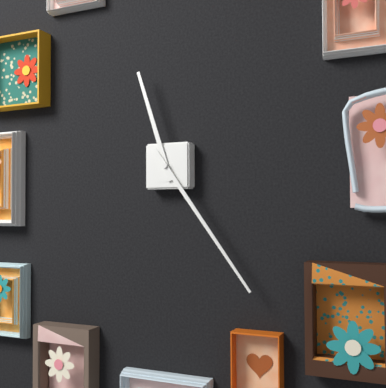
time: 11:24
